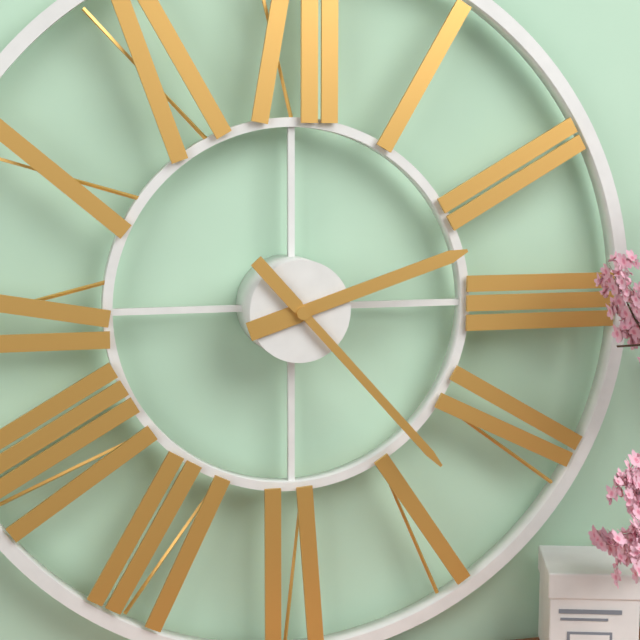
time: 2:23
